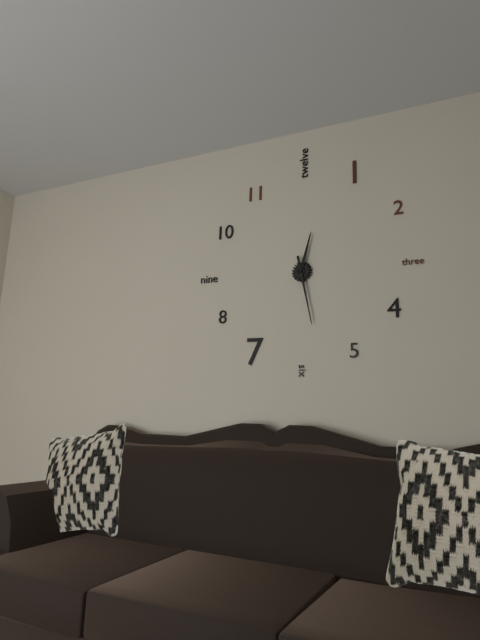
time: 12:28
